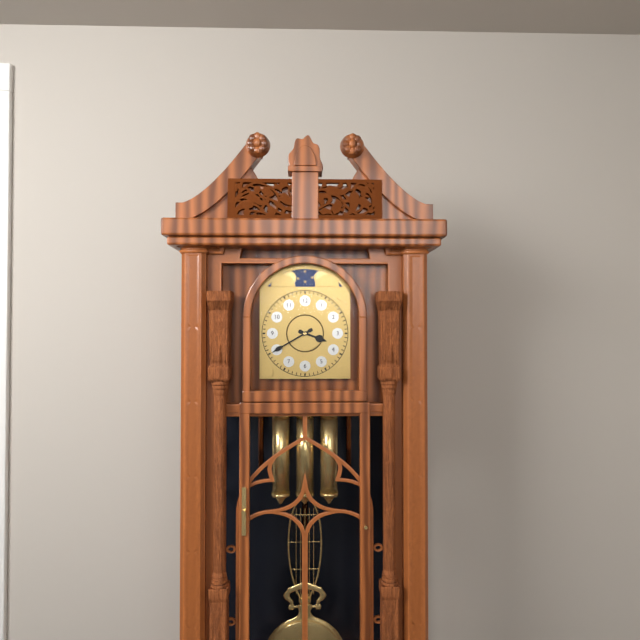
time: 3:40
